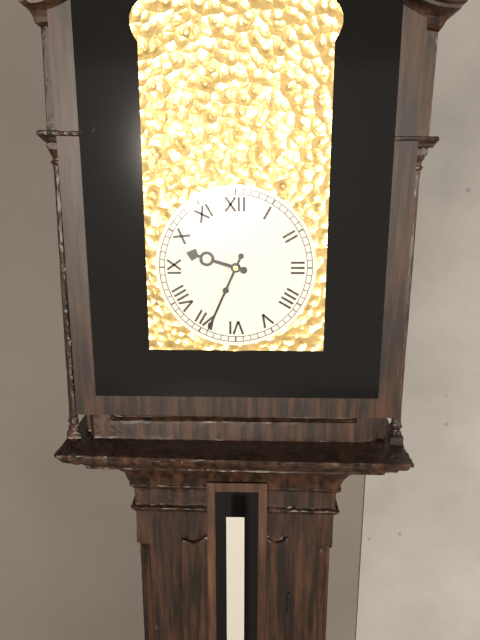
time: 9:34
